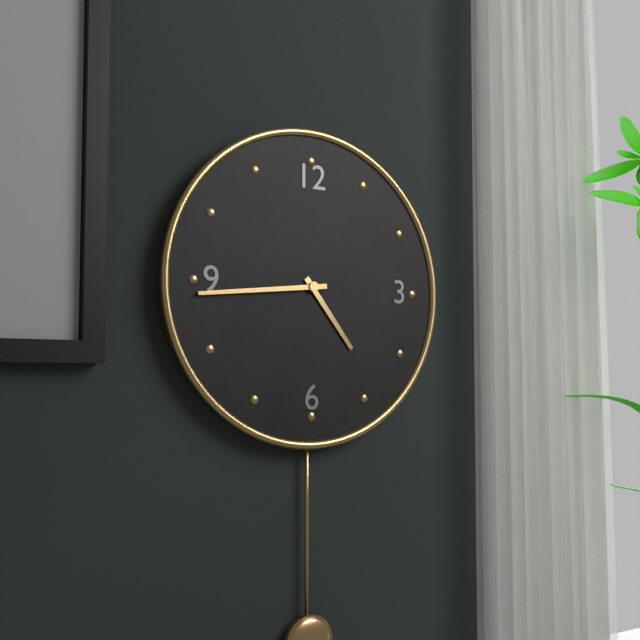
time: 4:44
